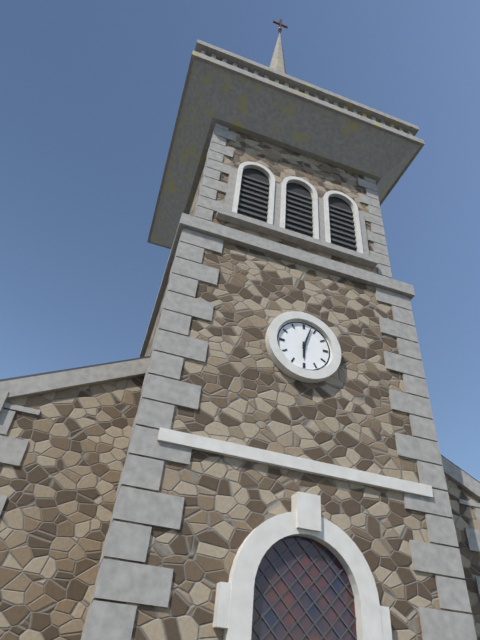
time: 6:03
